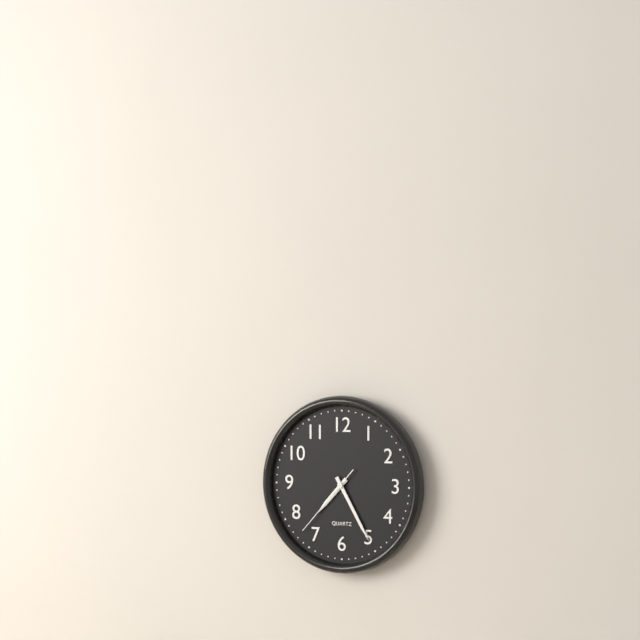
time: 7:25:37
